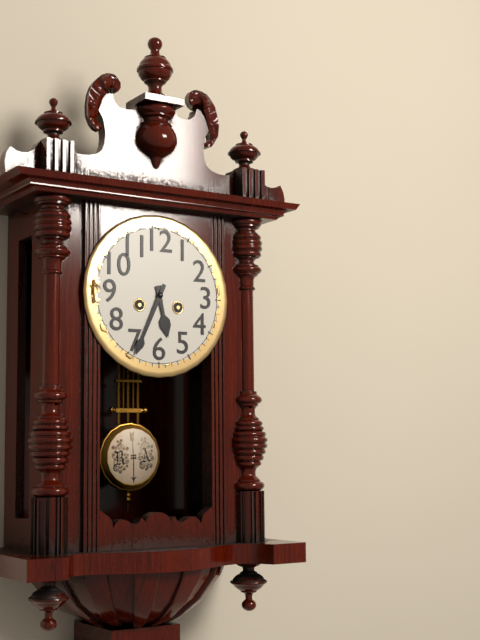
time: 5:34
